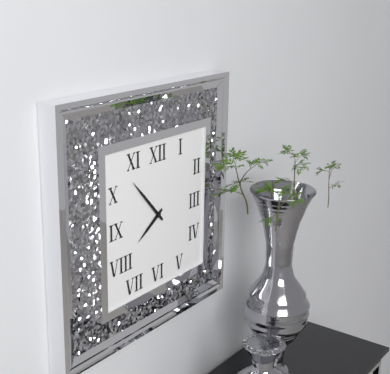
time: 7:53
